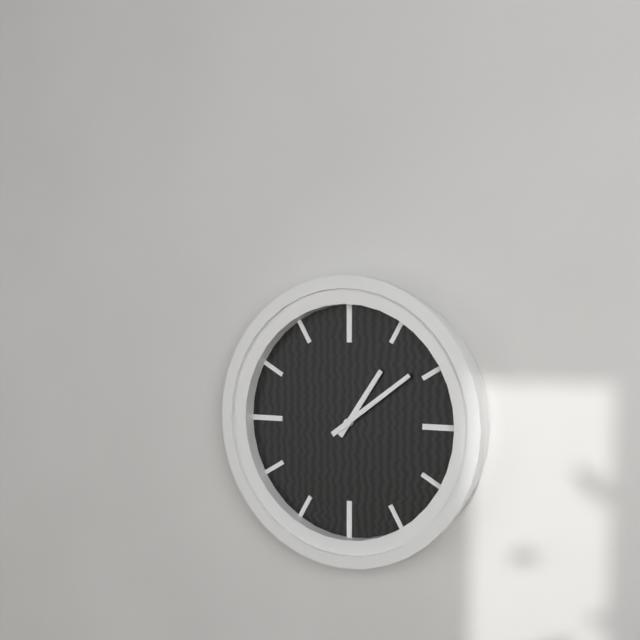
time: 1:09
